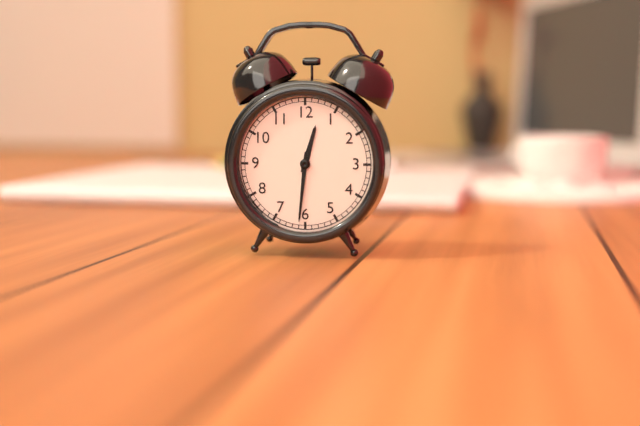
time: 12:31
